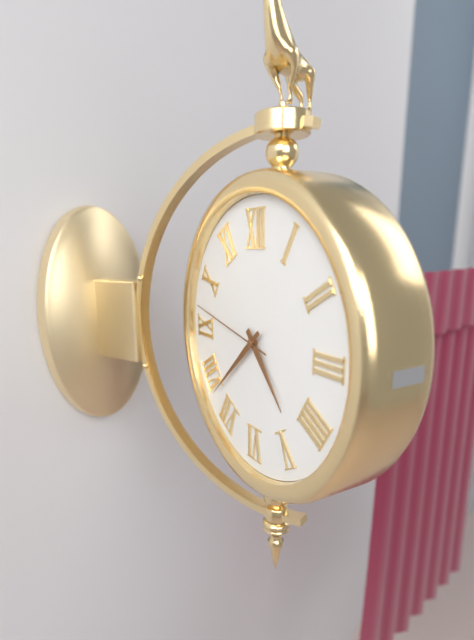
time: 4:38:47
